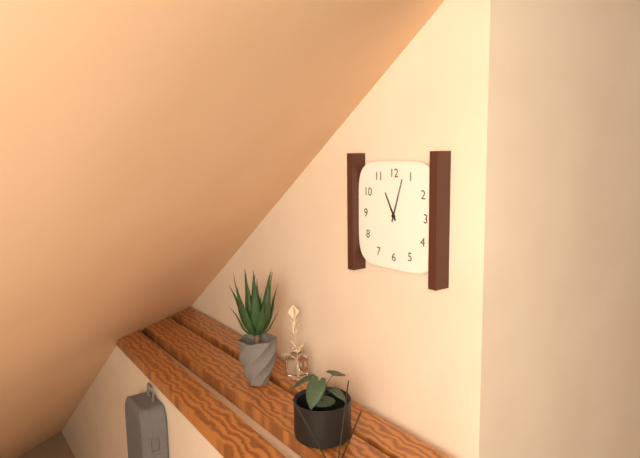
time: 11:03
